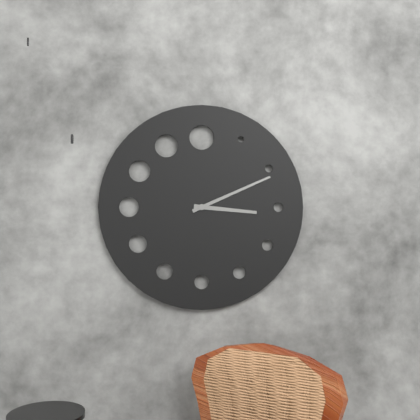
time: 3:11
